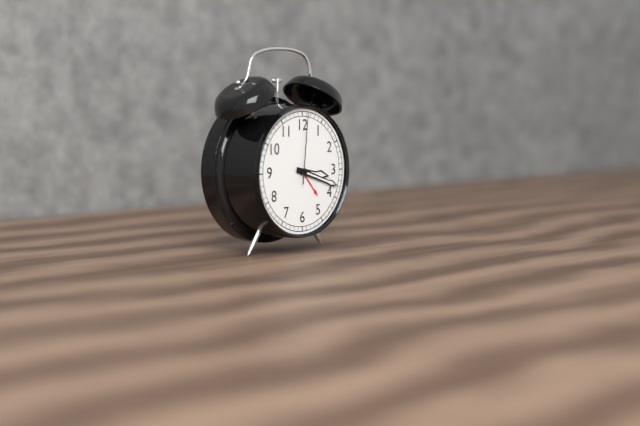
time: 3:18:01
